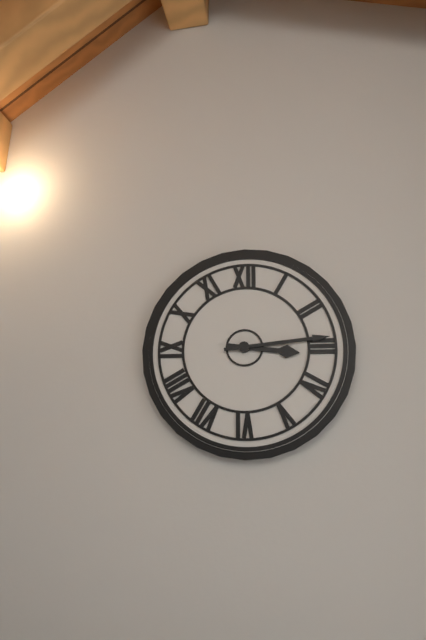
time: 3:14
